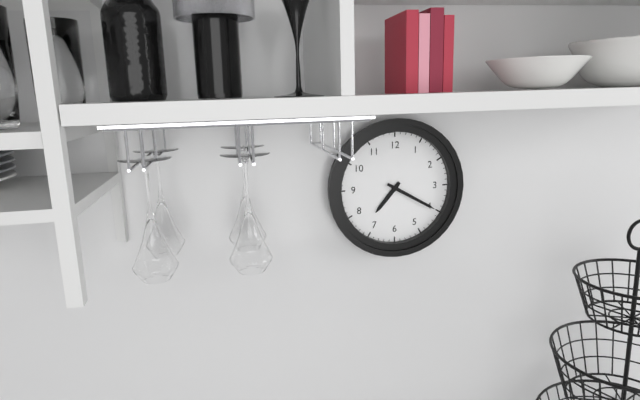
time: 7:20
